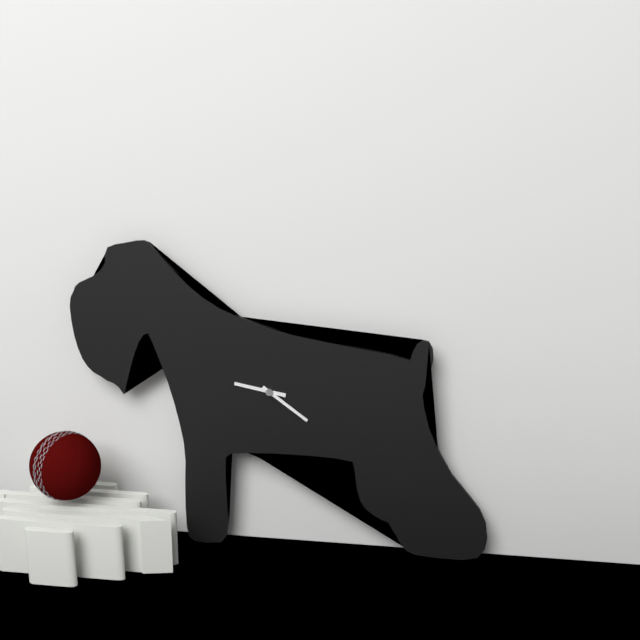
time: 9:21
